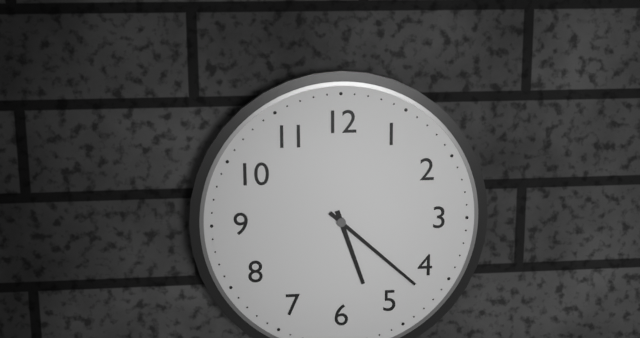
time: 5:22
